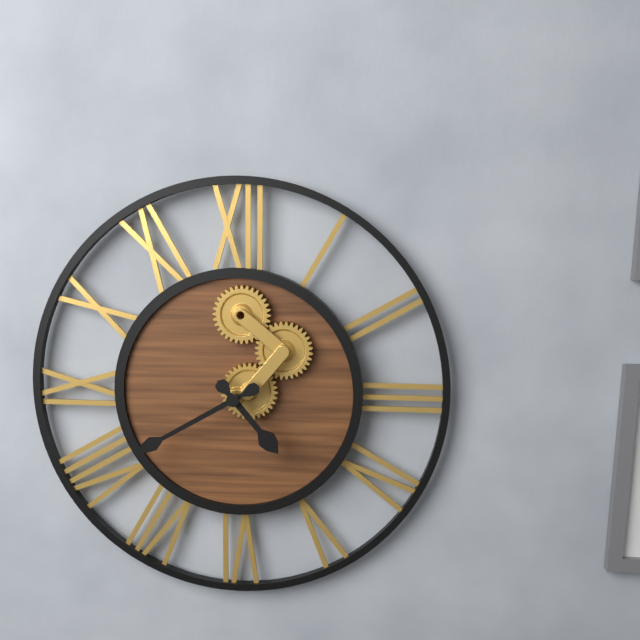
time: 4:40
